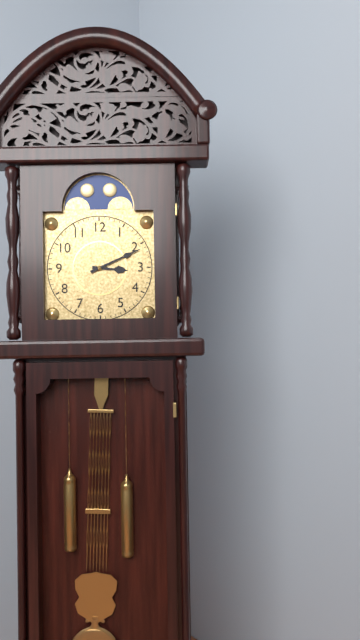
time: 3:11
